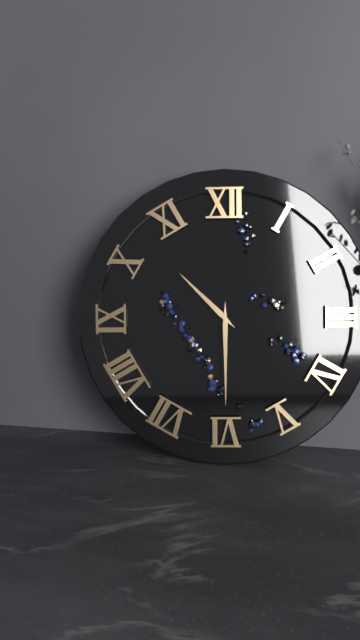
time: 10:30
